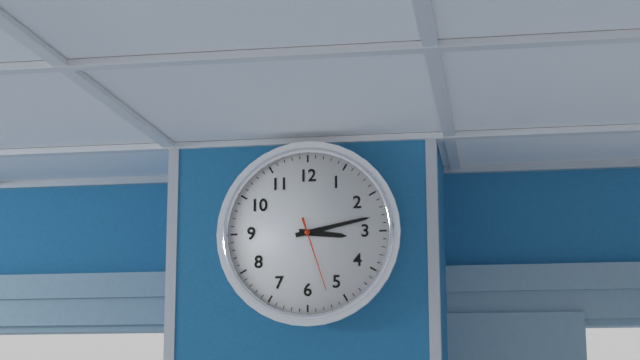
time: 3:13:27
